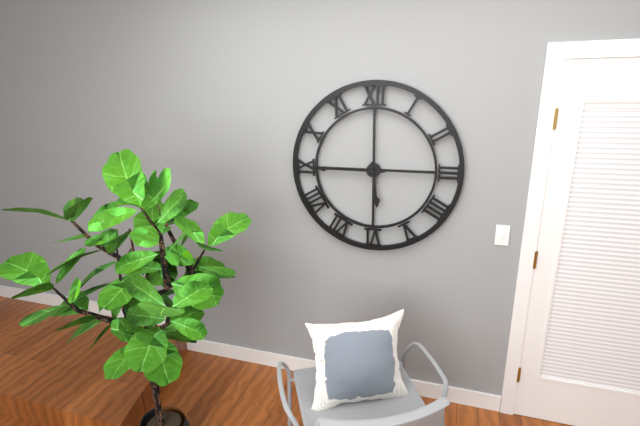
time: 5:45
